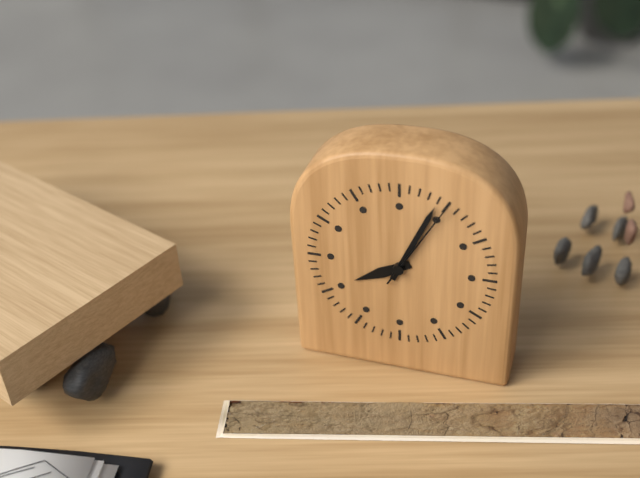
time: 8:04:05
